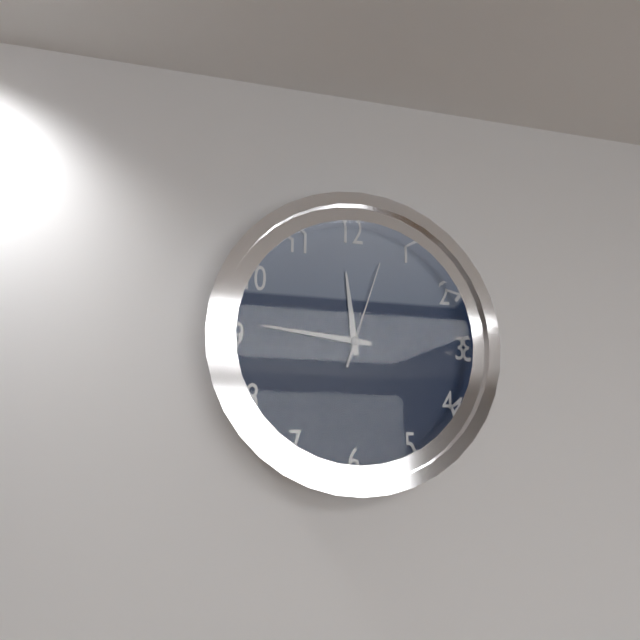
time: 11:46:03
